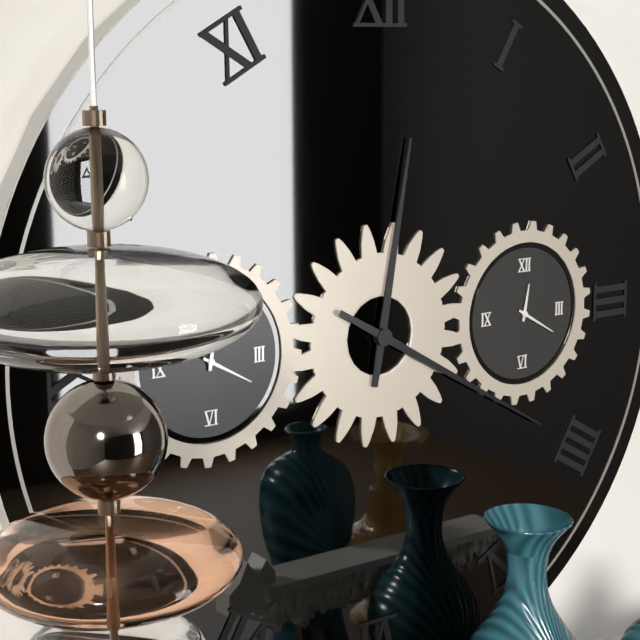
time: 12:20
